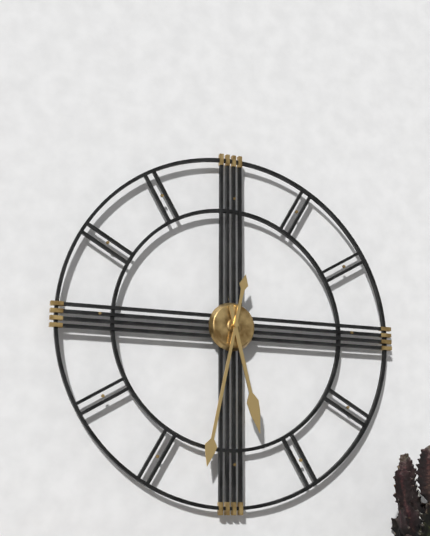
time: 5:32
